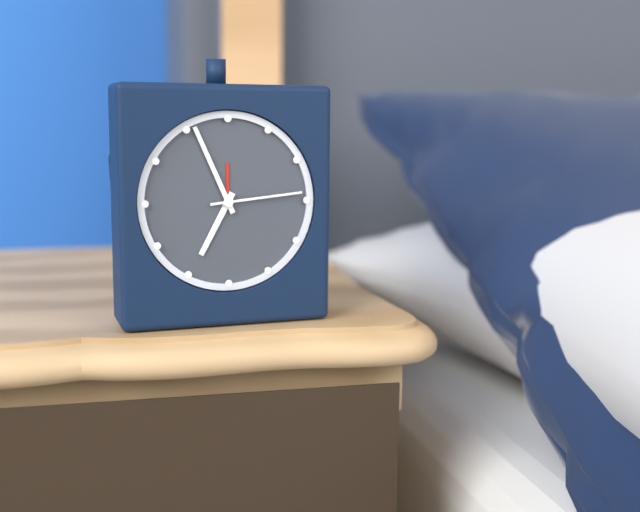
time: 6:56:14
